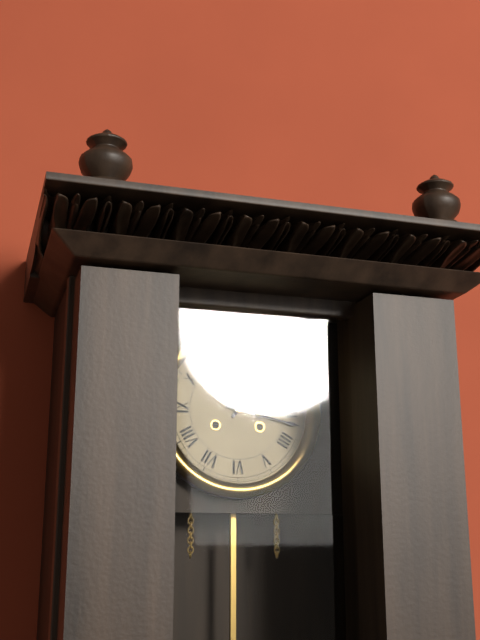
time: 1:17
